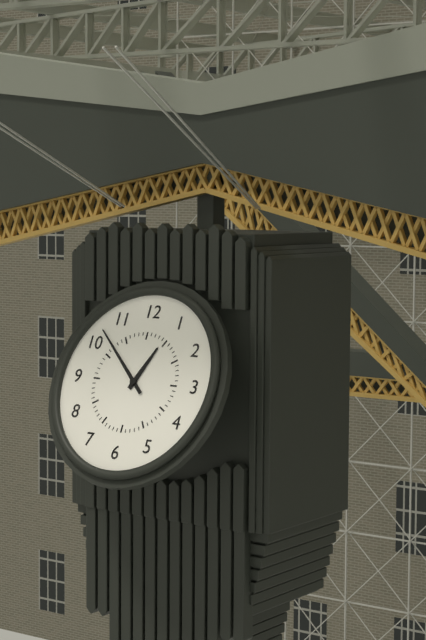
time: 12:52
